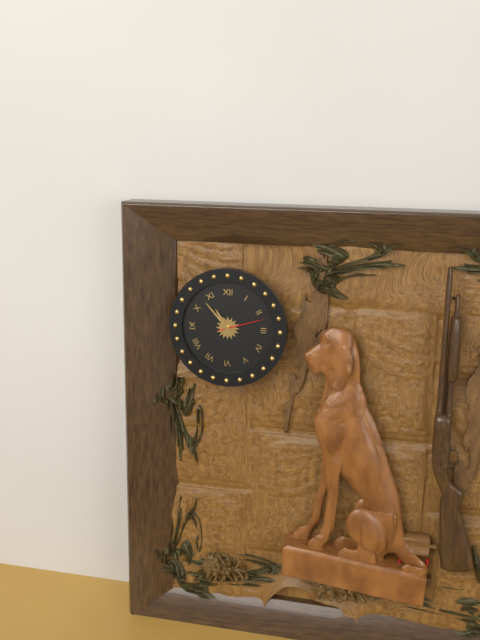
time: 10:53
